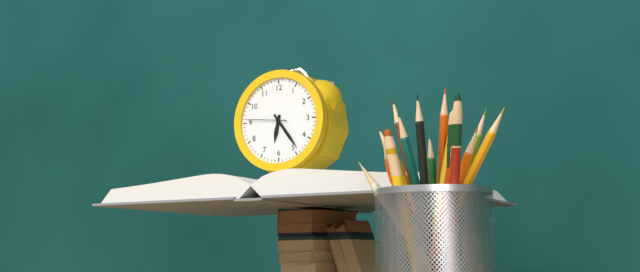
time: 6:24
